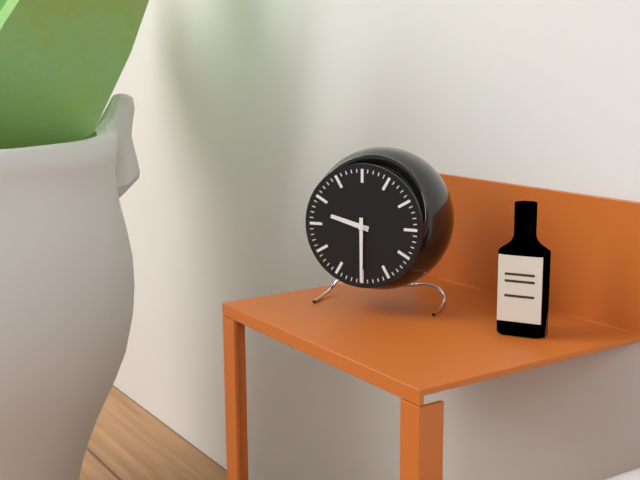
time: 9:30
